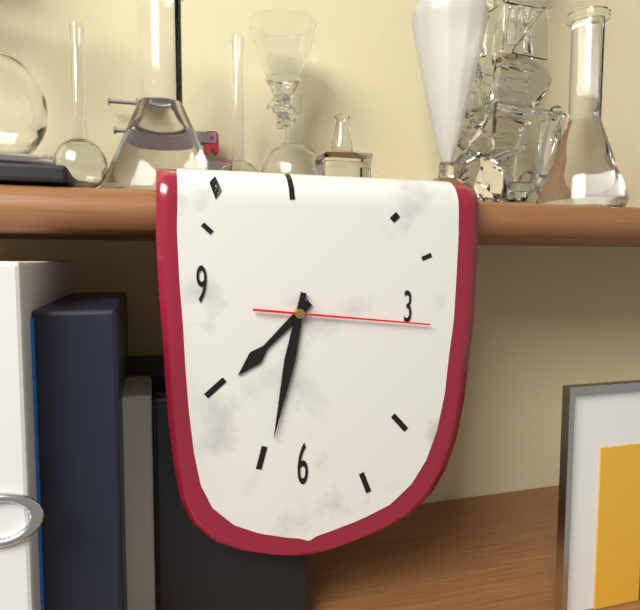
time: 7:32:16
